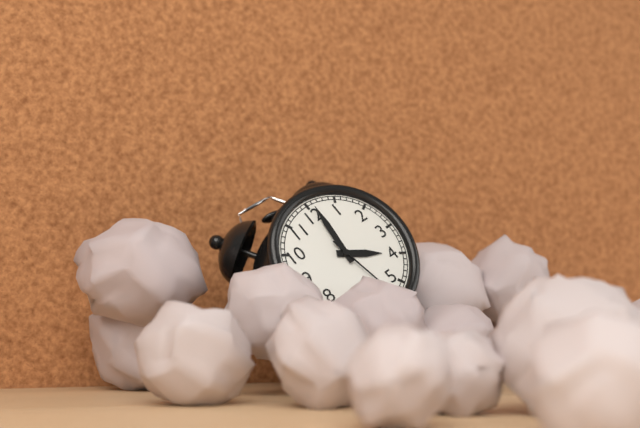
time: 4:01:28
